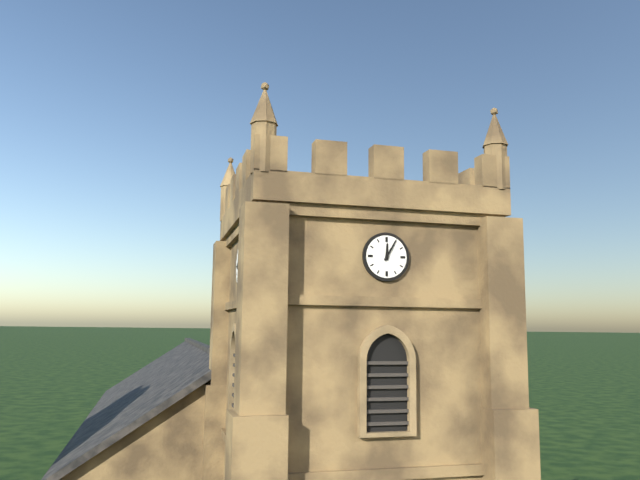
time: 12:05
